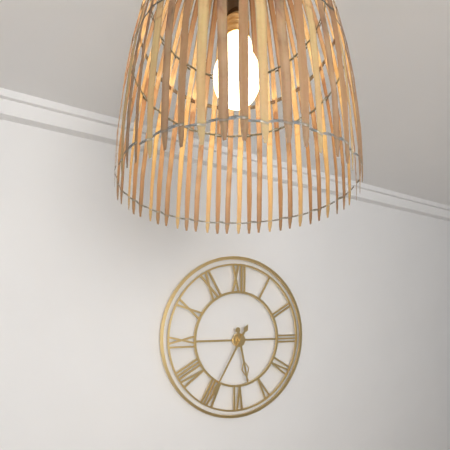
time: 5:35
